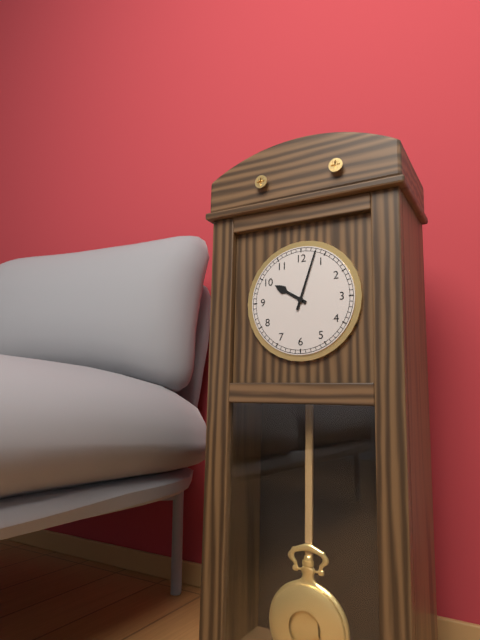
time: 10:03
